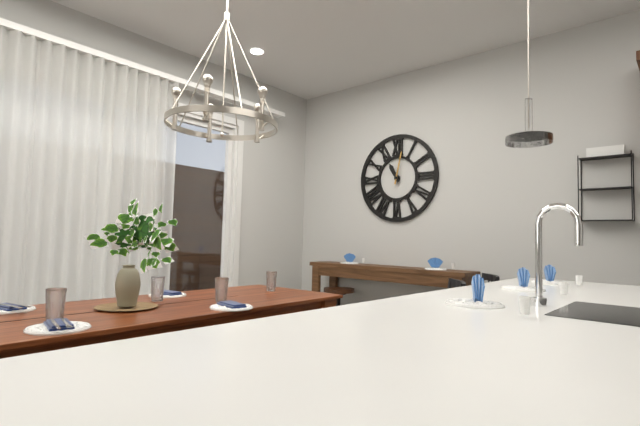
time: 11:02
